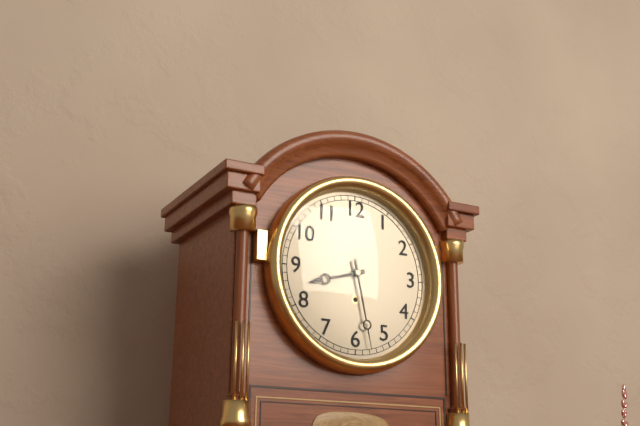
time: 8:28
